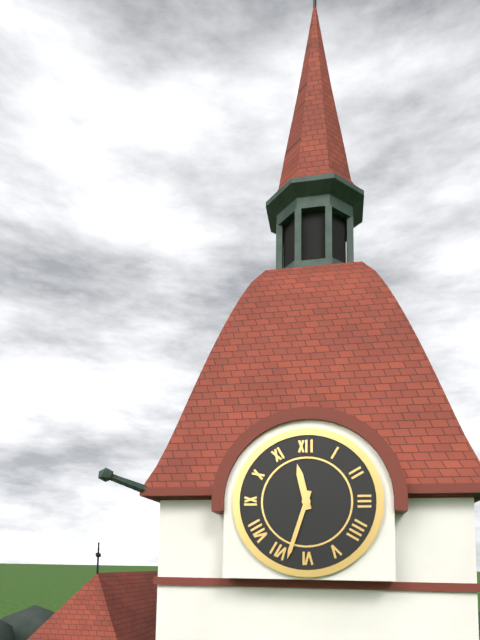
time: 11:33
